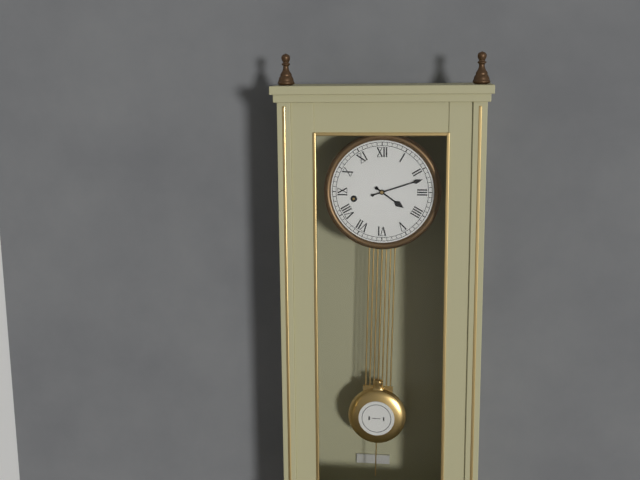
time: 4:12
